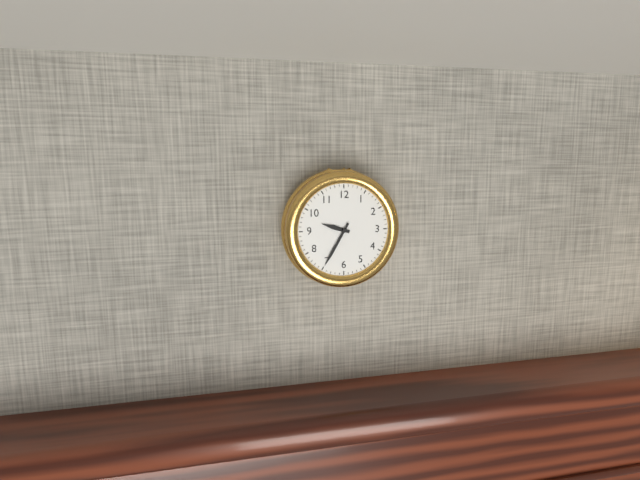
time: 9:35
